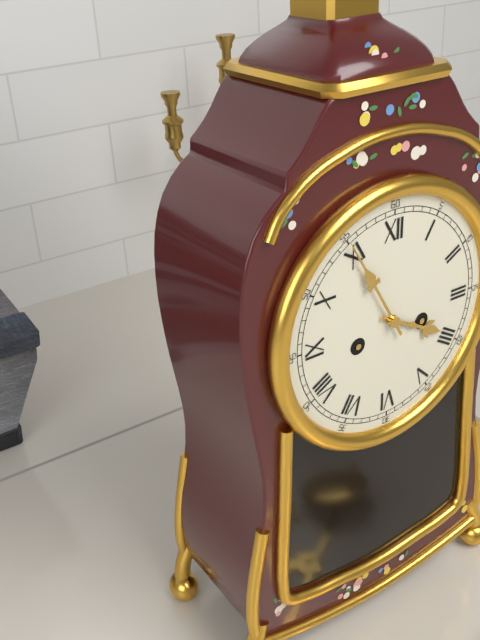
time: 3:55
